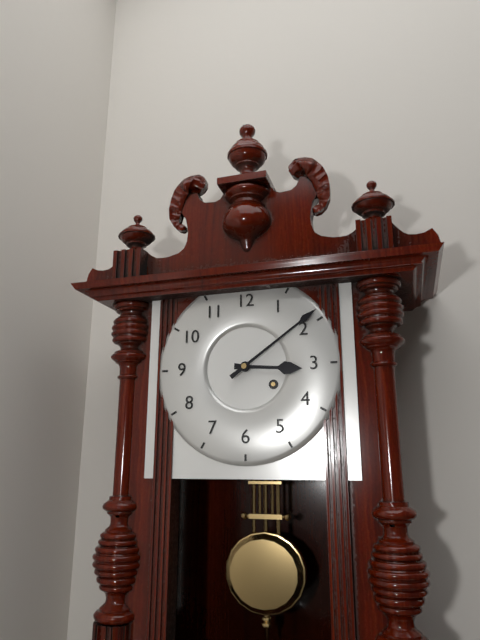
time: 3:09
